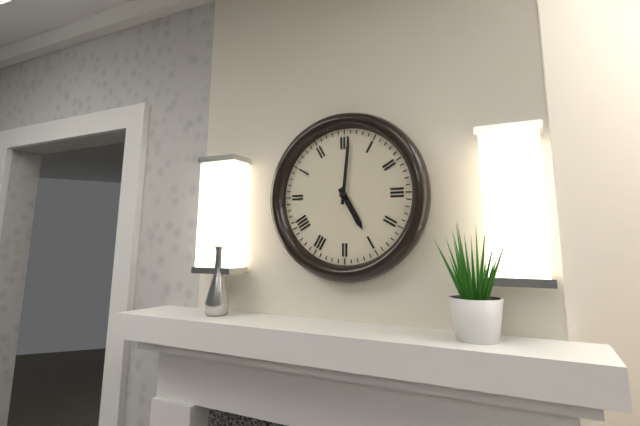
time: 5:01
